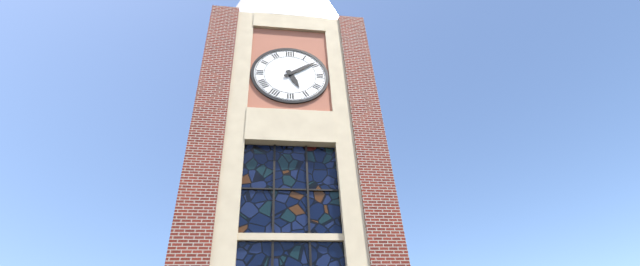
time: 5:09
